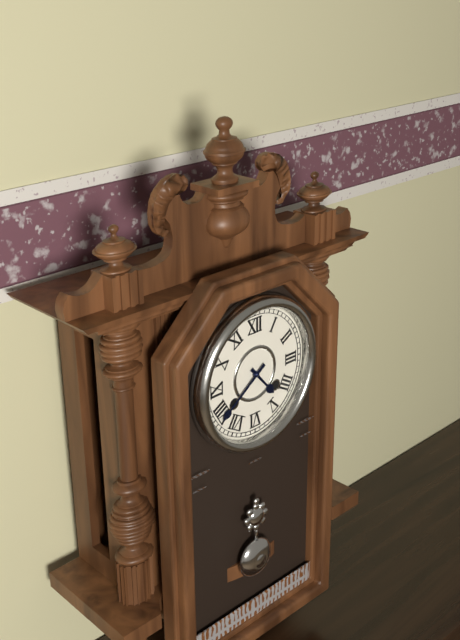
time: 4:39
